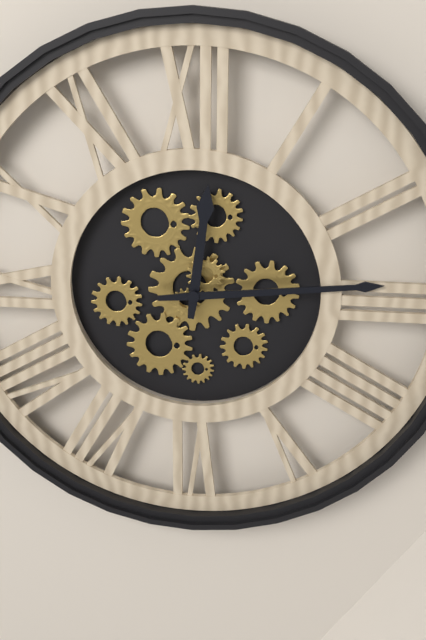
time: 12:14
